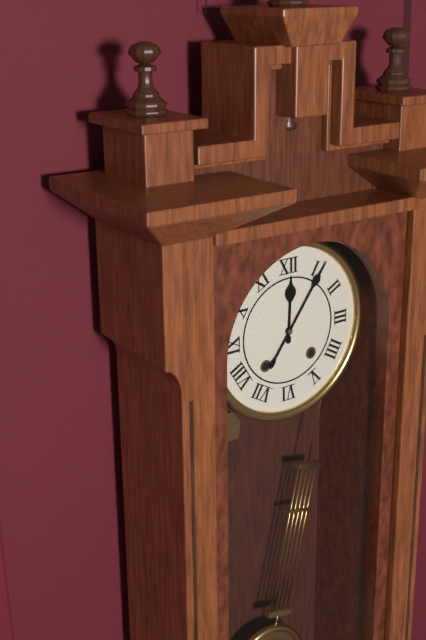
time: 12:06
